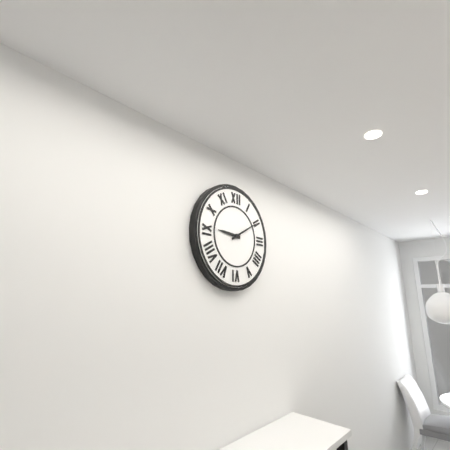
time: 9:10
